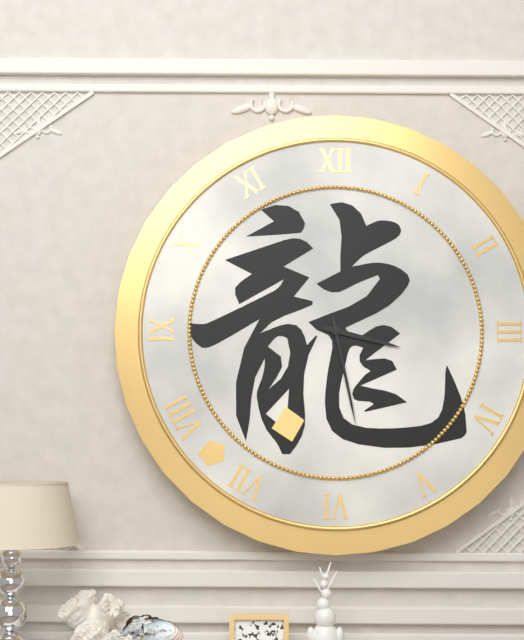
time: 3:28
